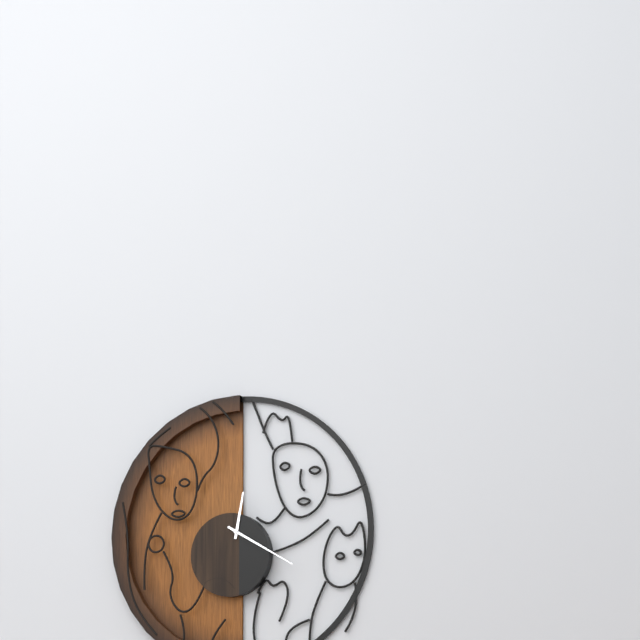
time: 12:20
